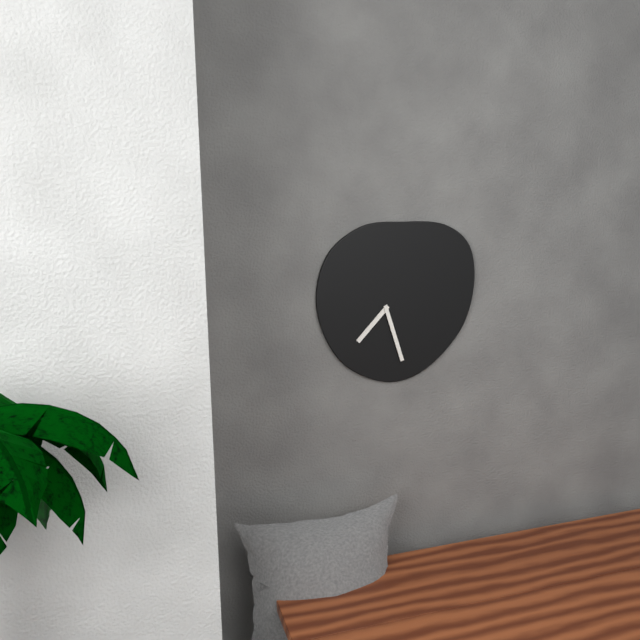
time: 7:27
